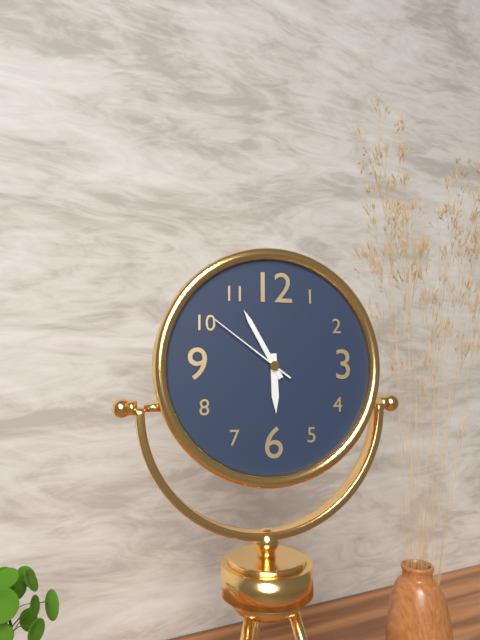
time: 5:55:51
